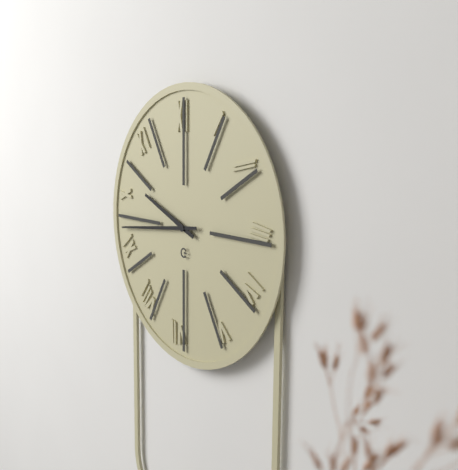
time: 9:44
